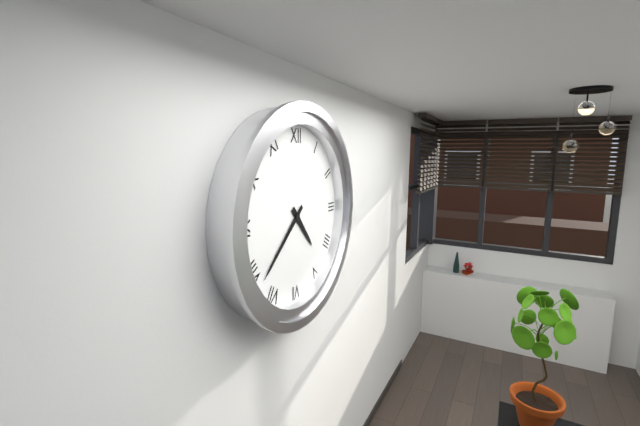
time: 4:38
